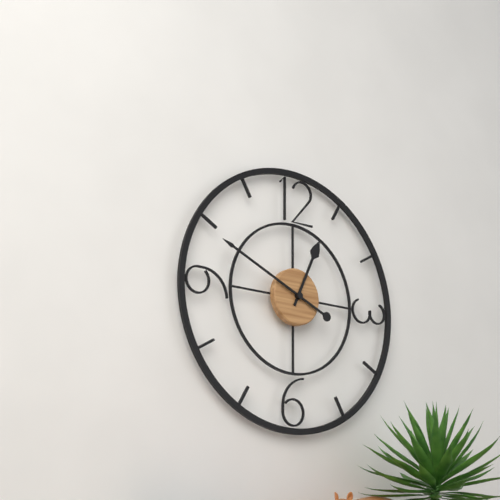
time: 12:49
